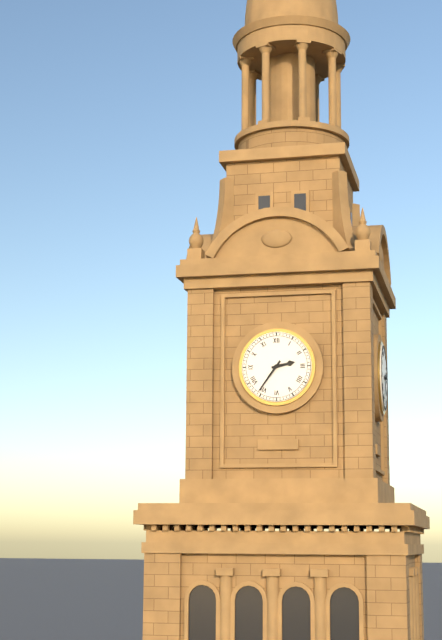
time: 2:36
